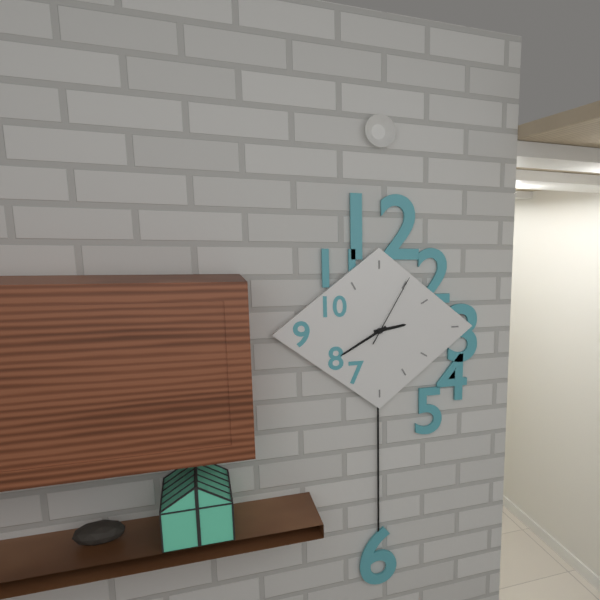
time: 2:40:05
